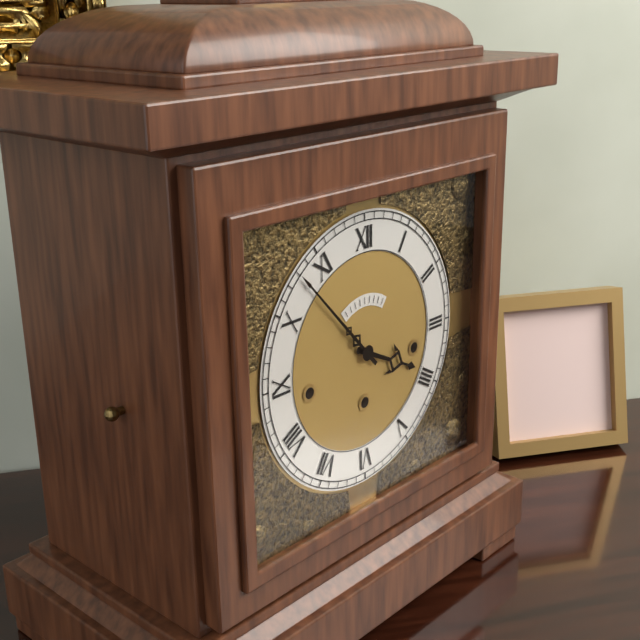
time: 3:53
